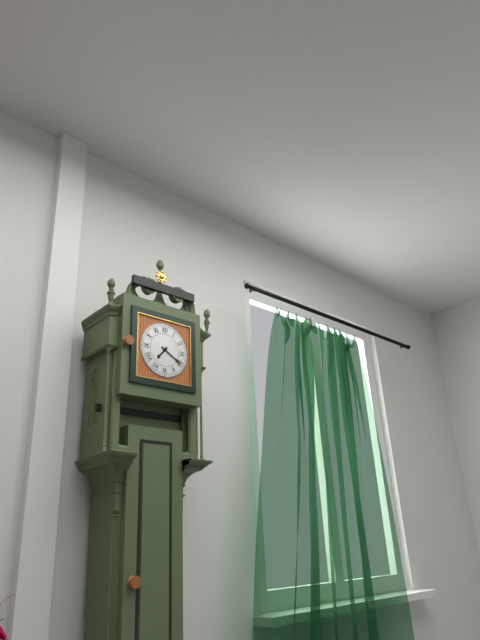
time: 7:20
